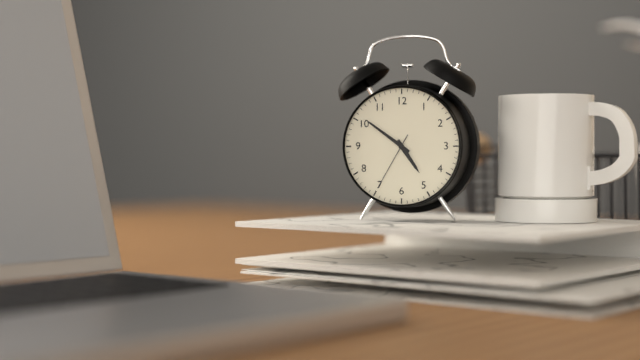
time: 4:51:35
